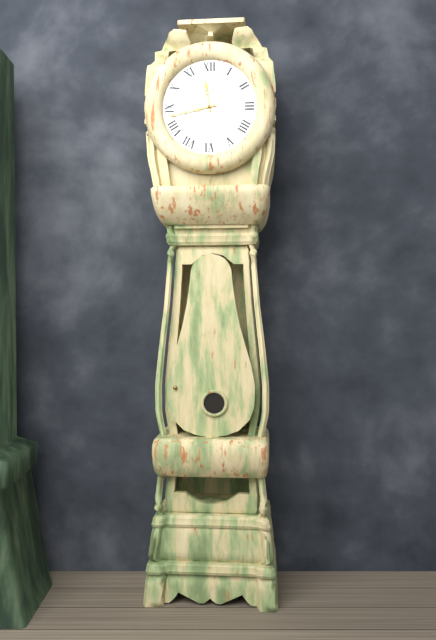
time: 11:43
